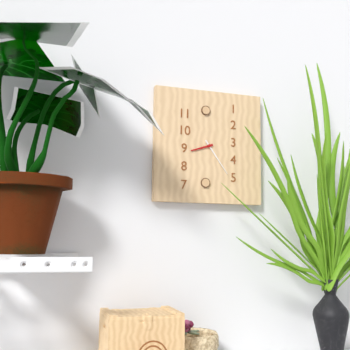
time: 8:24
